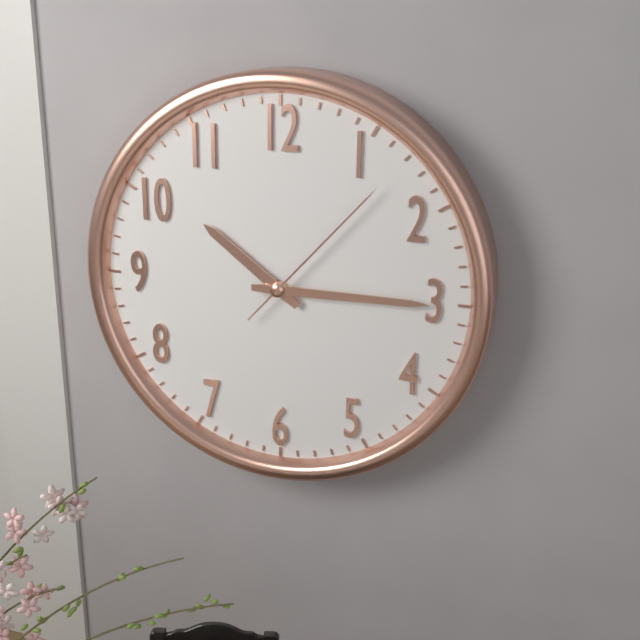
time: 10:15:07
